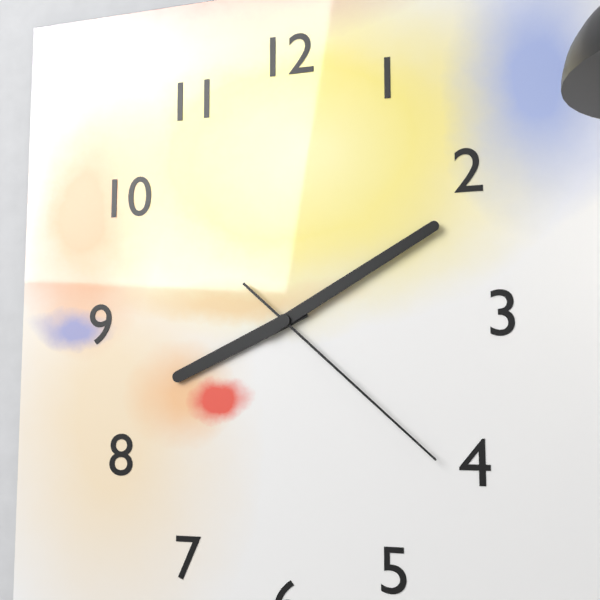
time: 8:10:22
